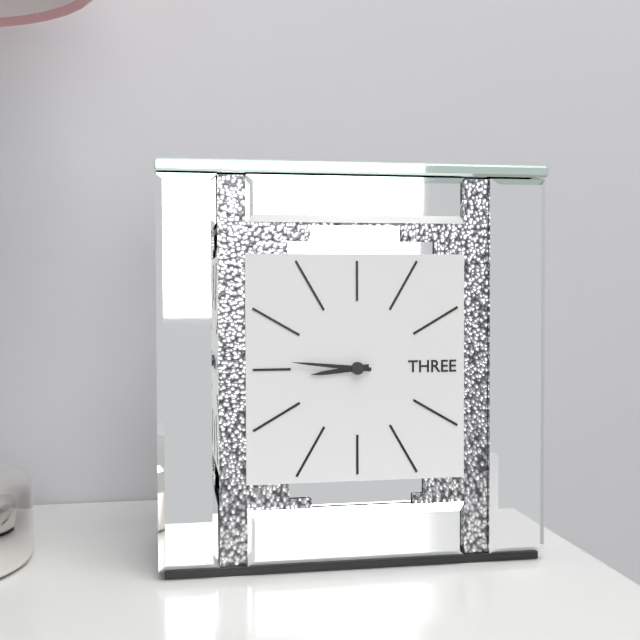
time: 8:46
